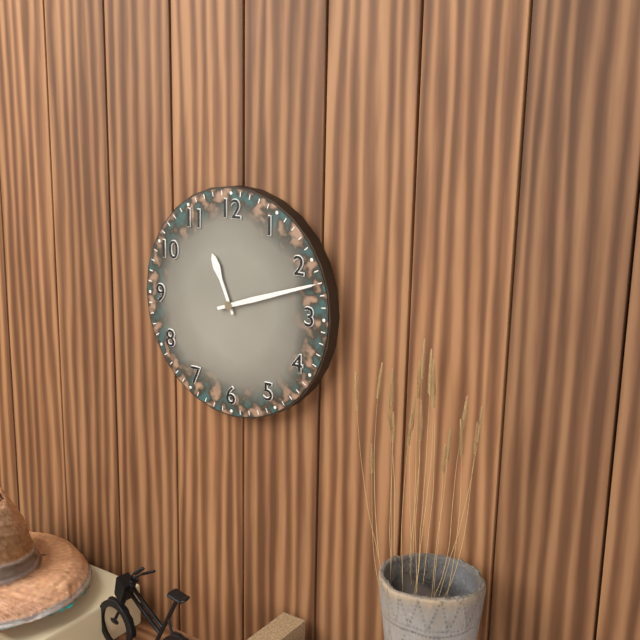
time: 11:12
